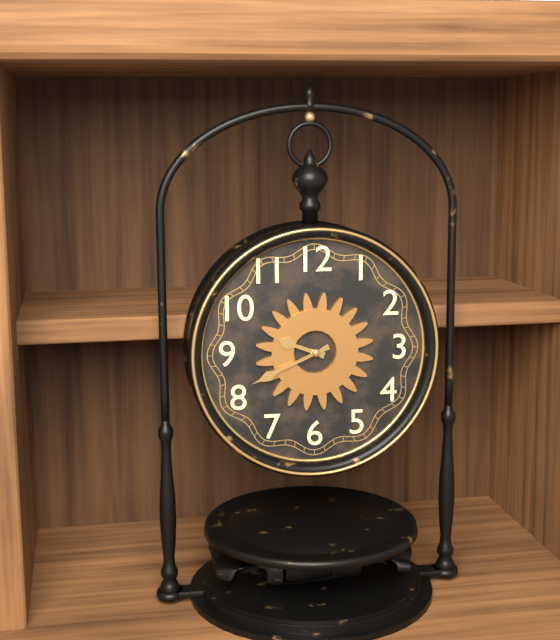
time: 9:41
